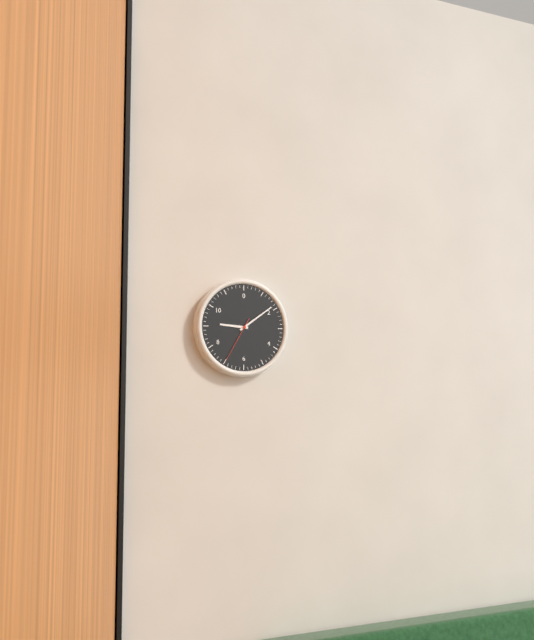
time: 9:09
